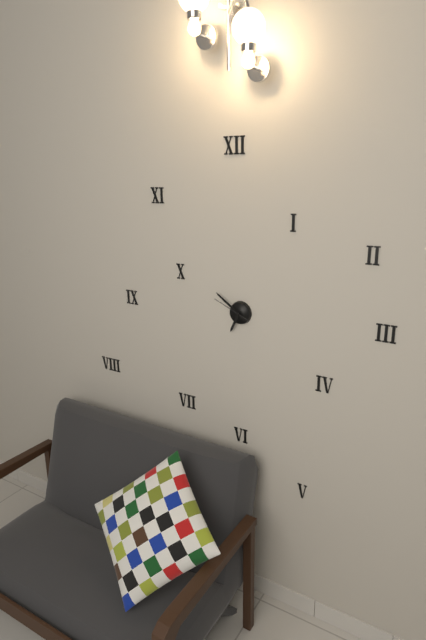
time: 6:51
